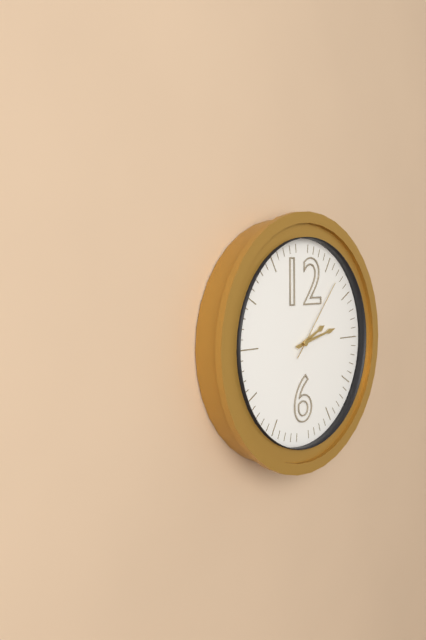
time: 2:13:07
